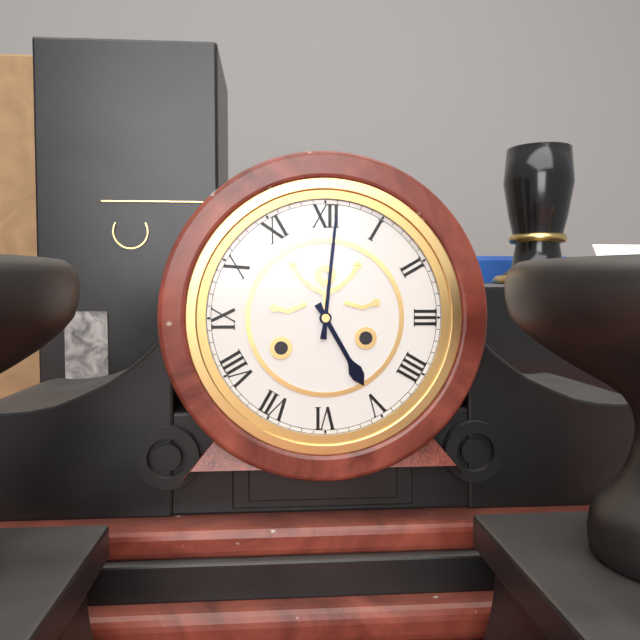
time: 5:01
